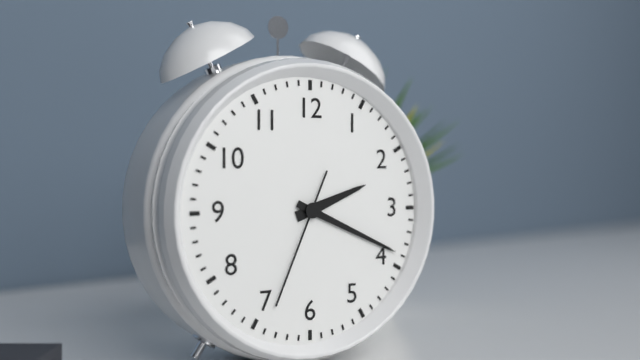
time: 2:19:34
